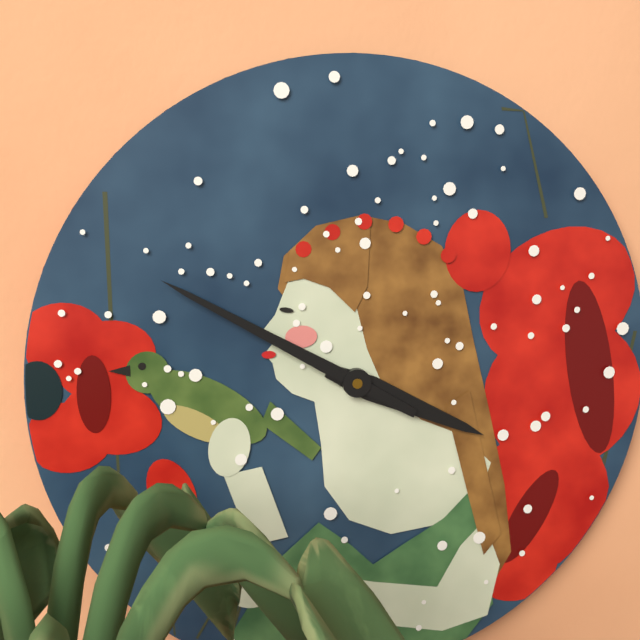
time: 3:50
